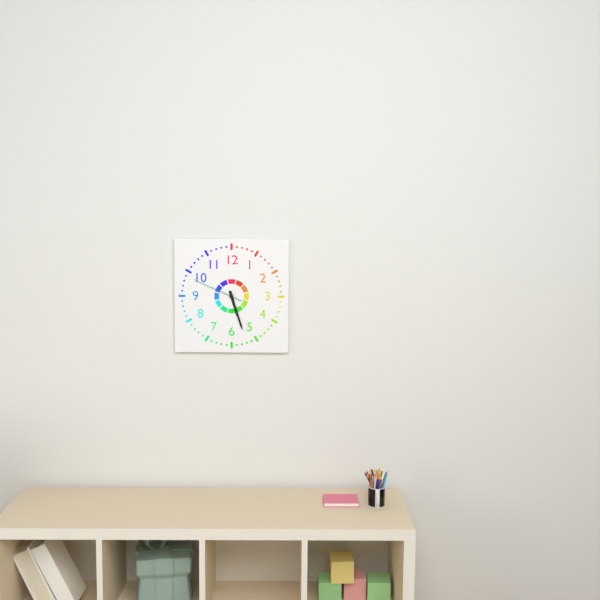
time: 5:27:49
